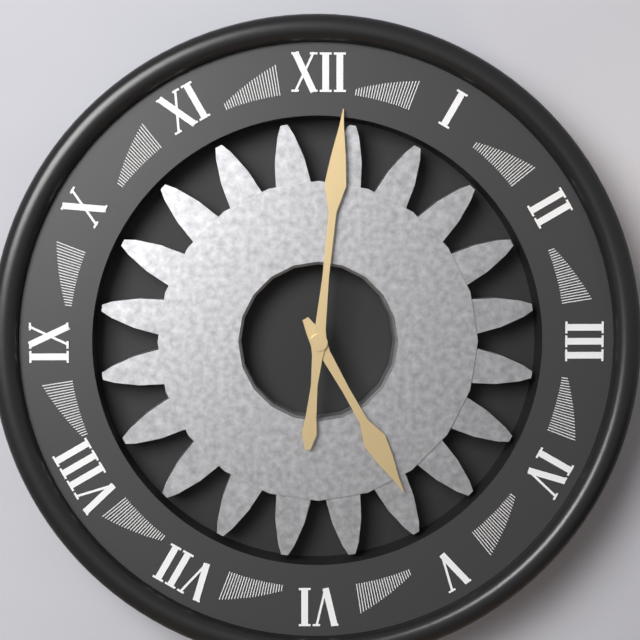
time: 5:01
